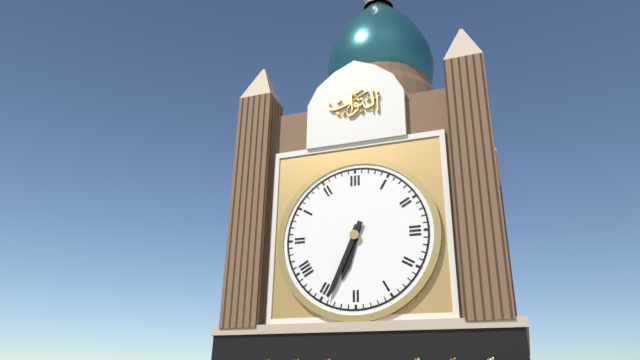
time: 6:34
